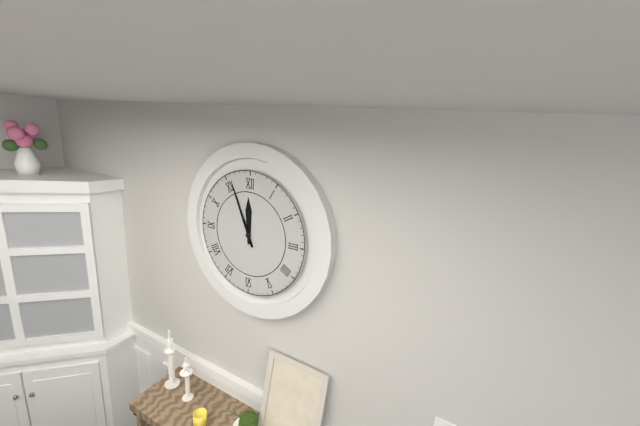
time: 11:56
